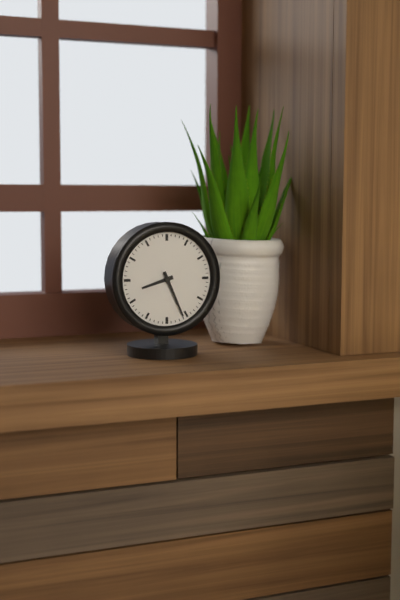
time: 8:26
